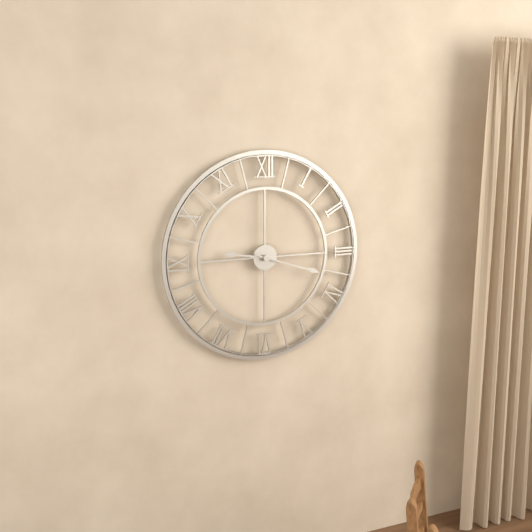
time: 9:18
